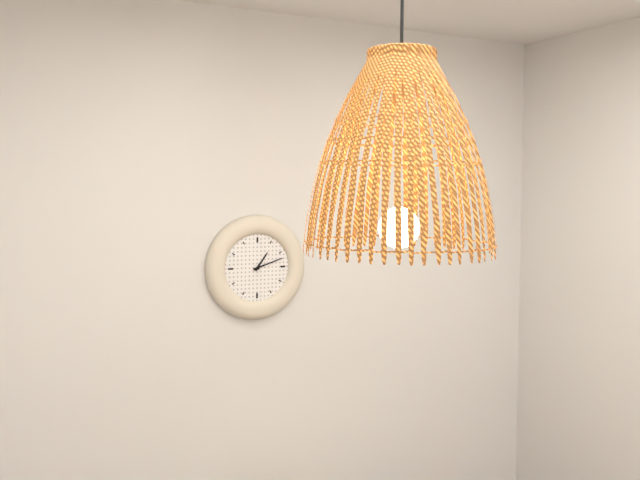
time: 1:12
